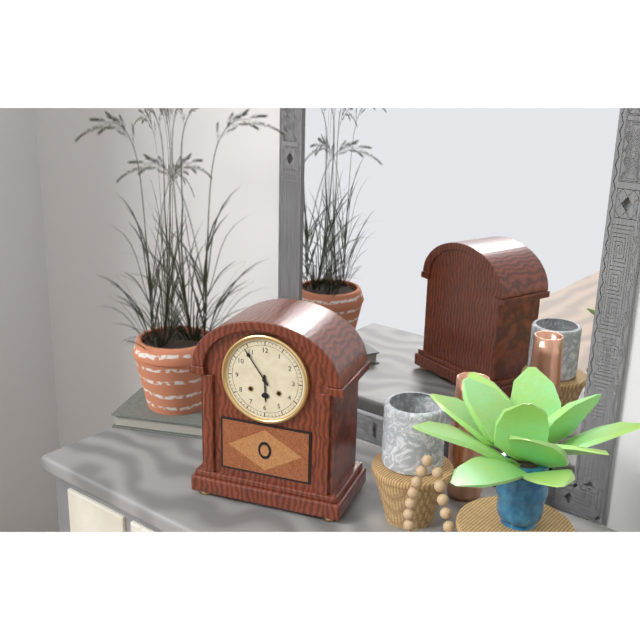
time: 5:54
